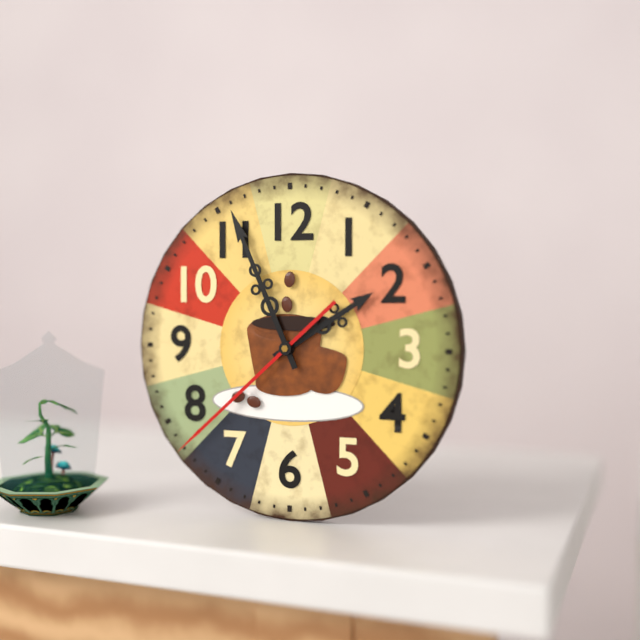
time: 1:56:38
